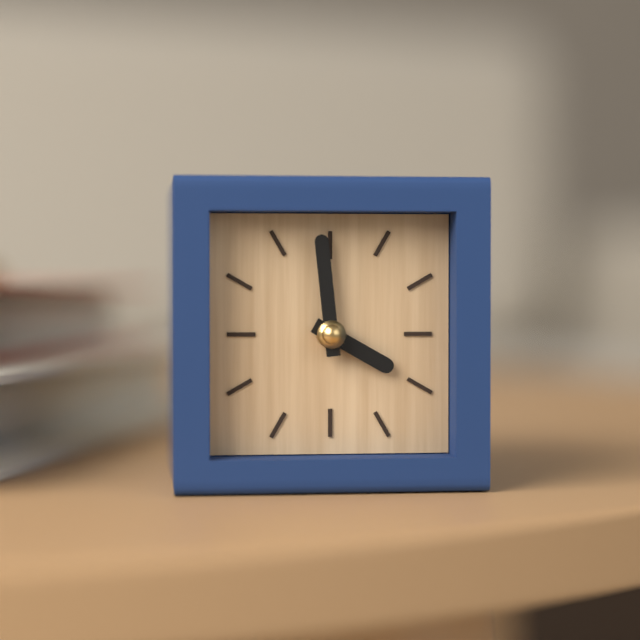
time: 3:59
